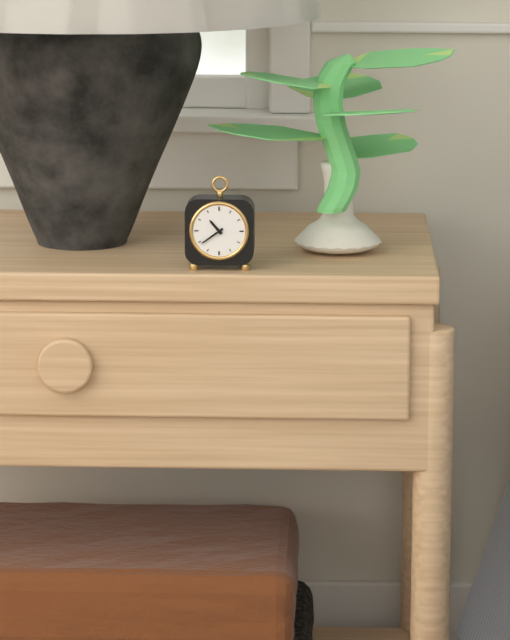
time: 10:39
